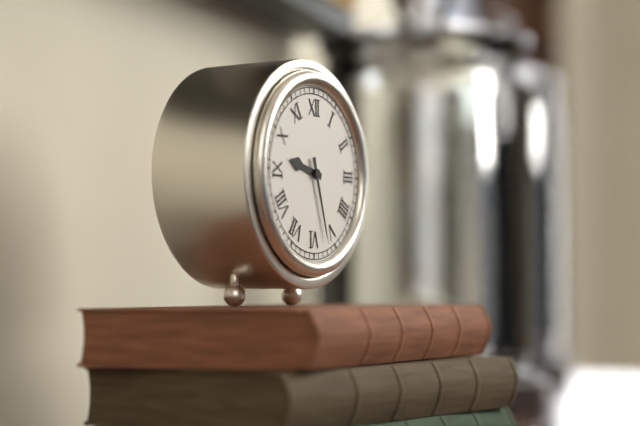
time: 9:27
